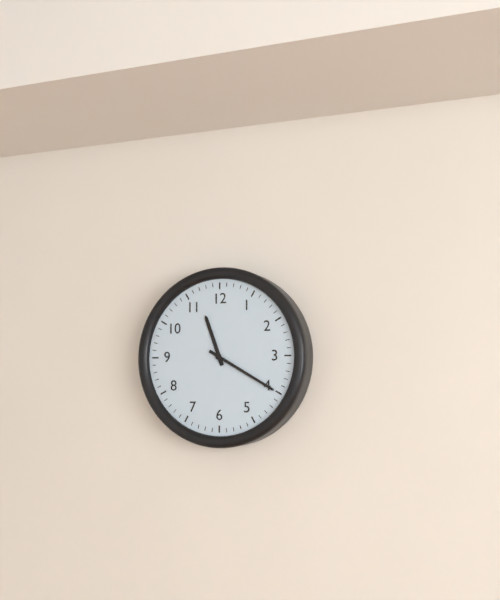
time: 11:20
